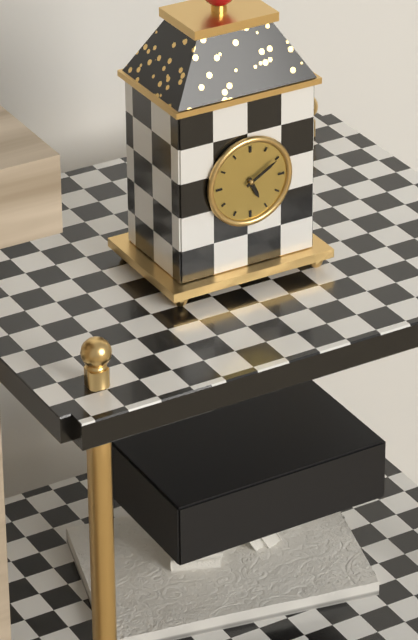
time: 5:10
